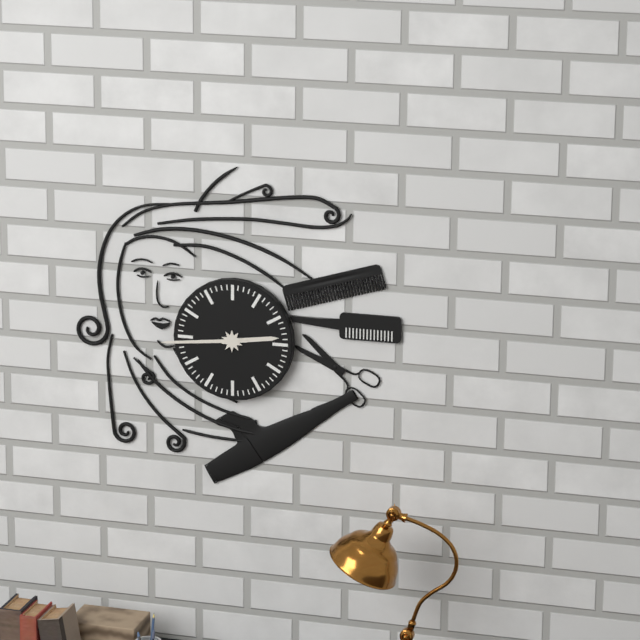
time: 2:44
